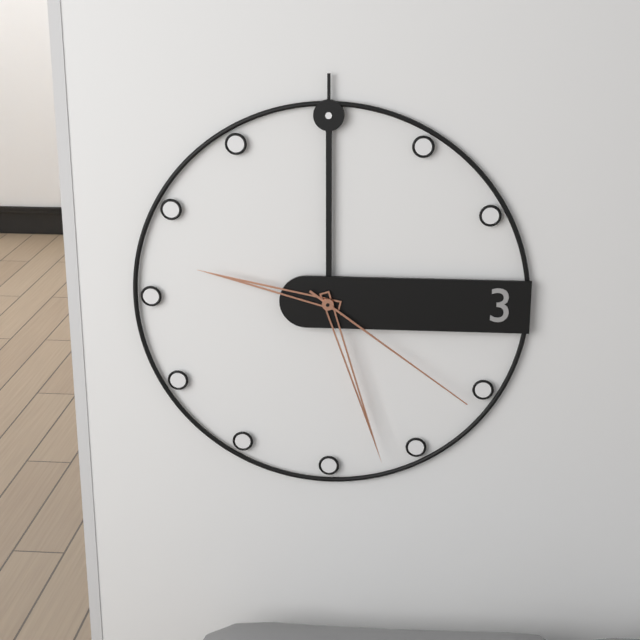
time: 9:27:21
